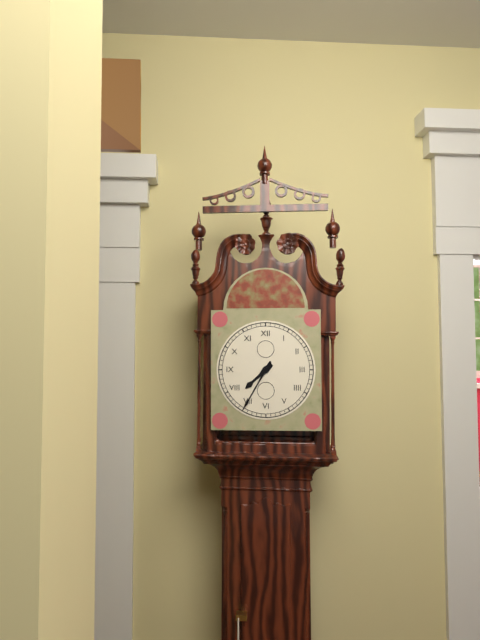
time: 7:35
